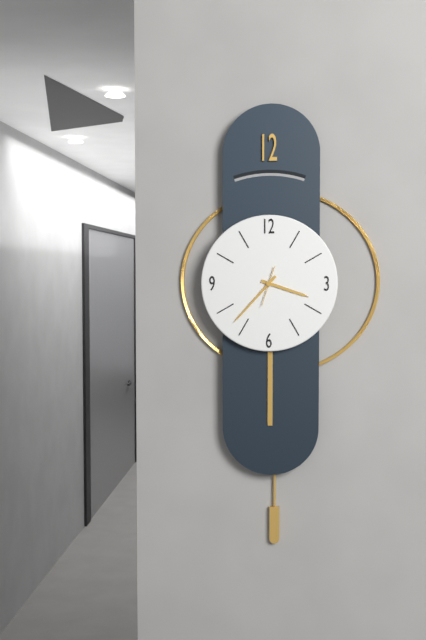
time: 3:37
